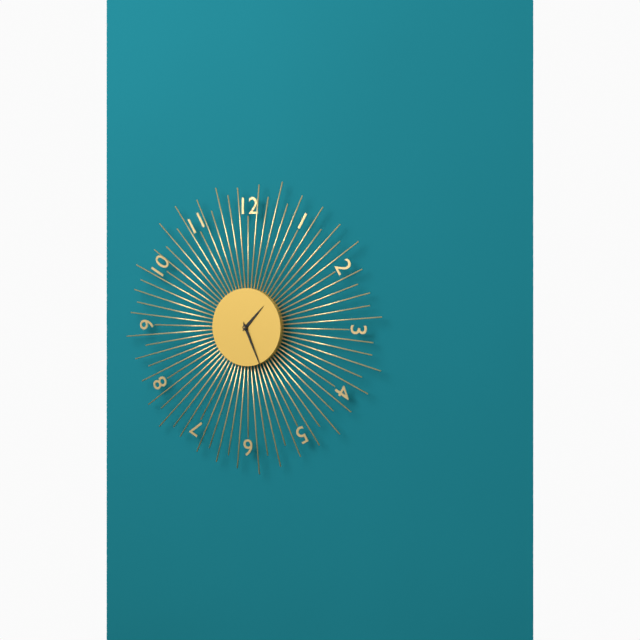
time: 1:26
